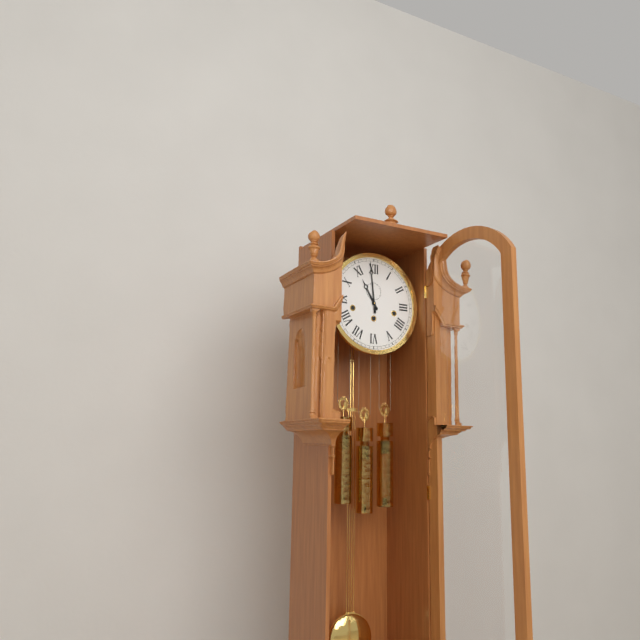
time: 10:59
